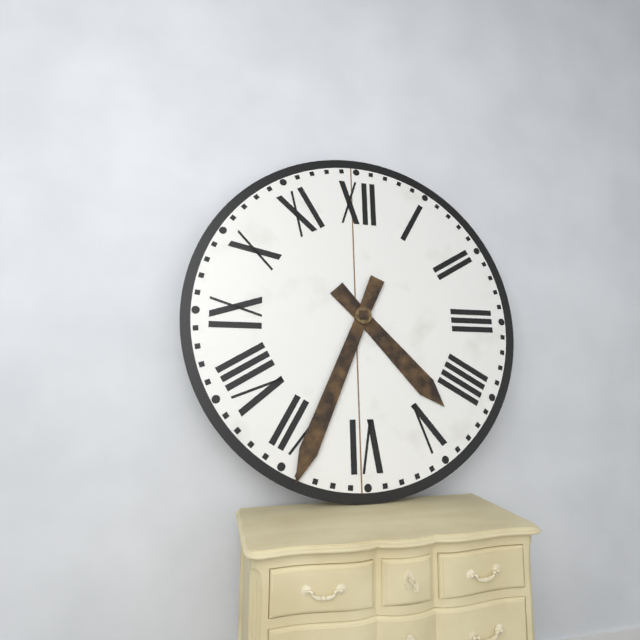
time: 4:34
